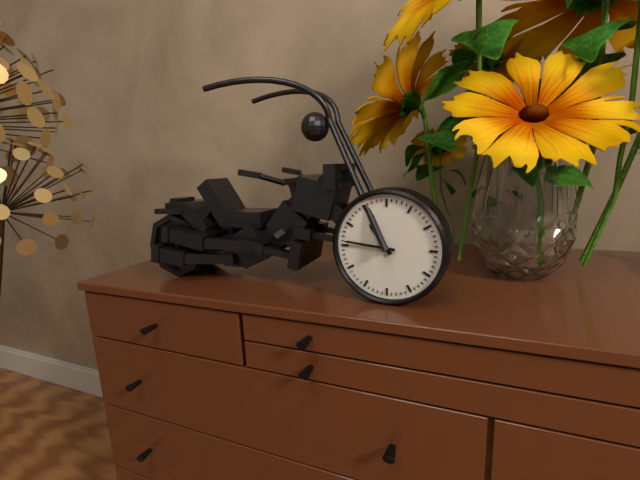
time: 10:46
